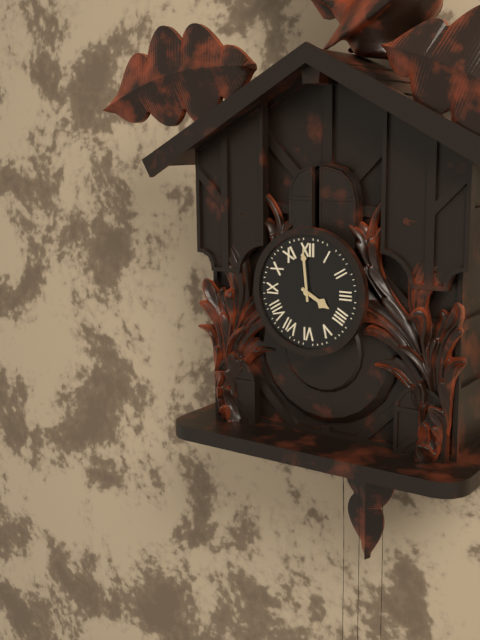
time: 3:59
